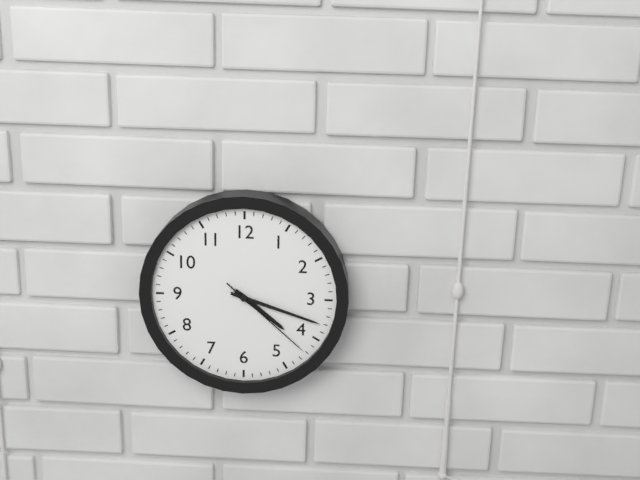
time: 4:18:22
